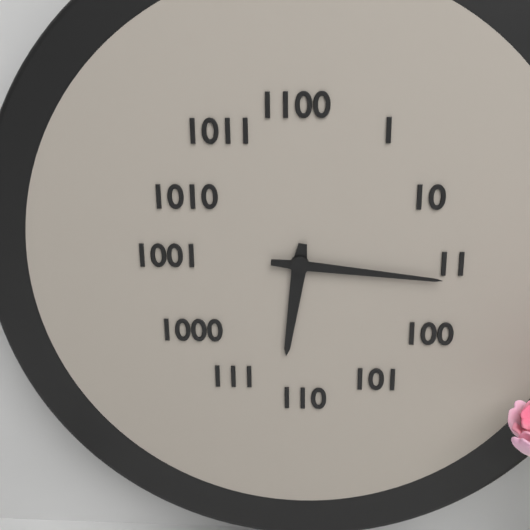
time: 6:16
